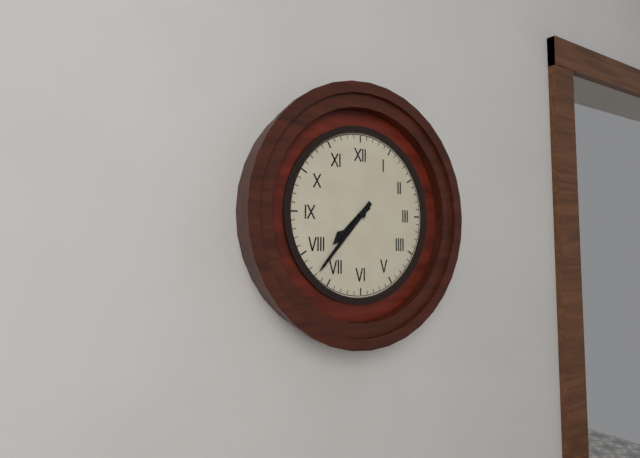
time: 7:37
